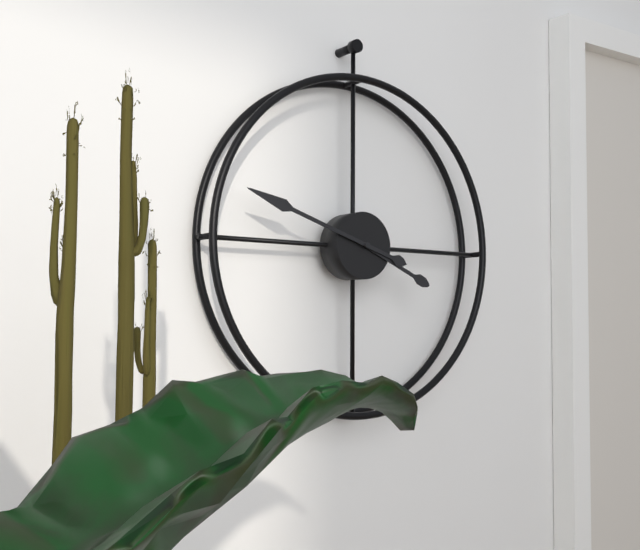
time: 3:48
